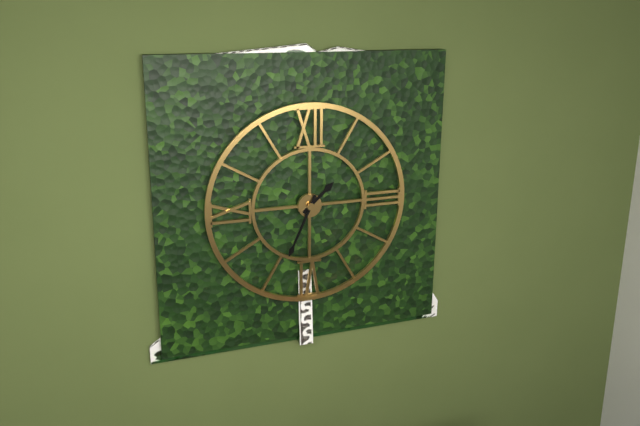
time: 1:34
